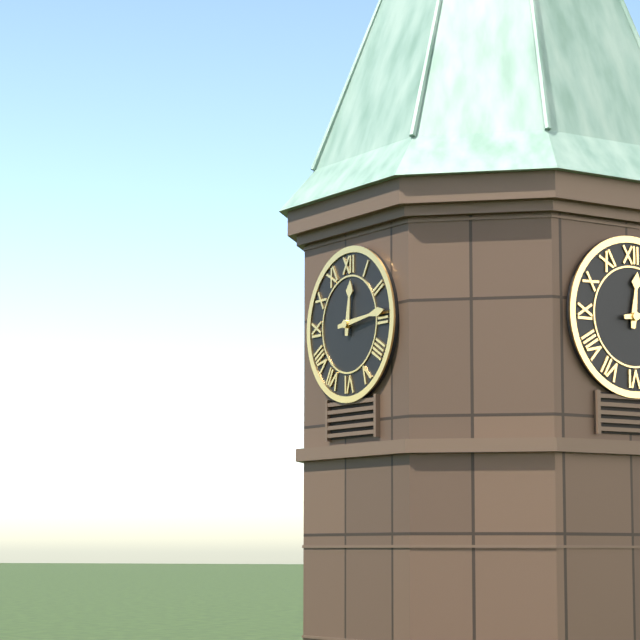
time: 12:14
